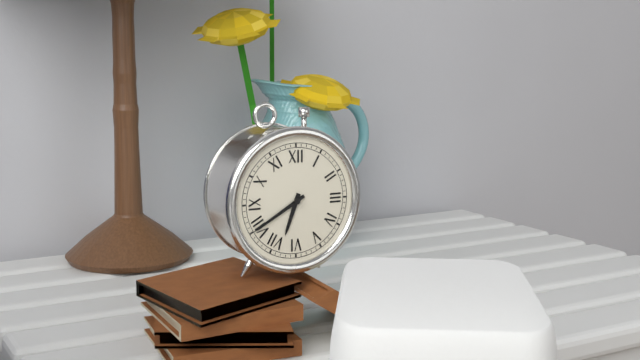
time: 6:40
